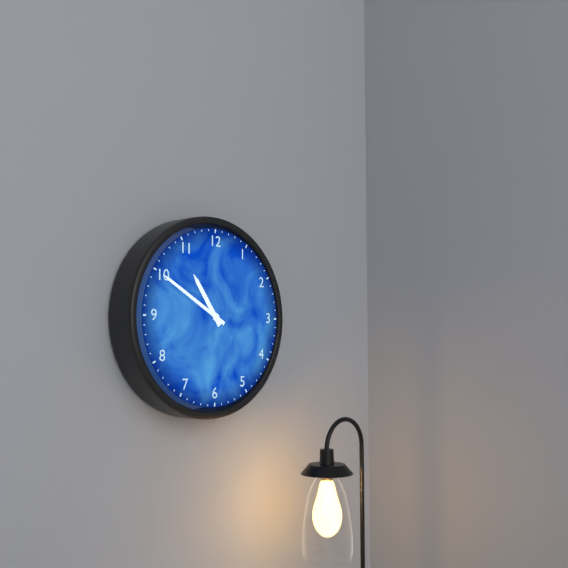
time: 10:50
